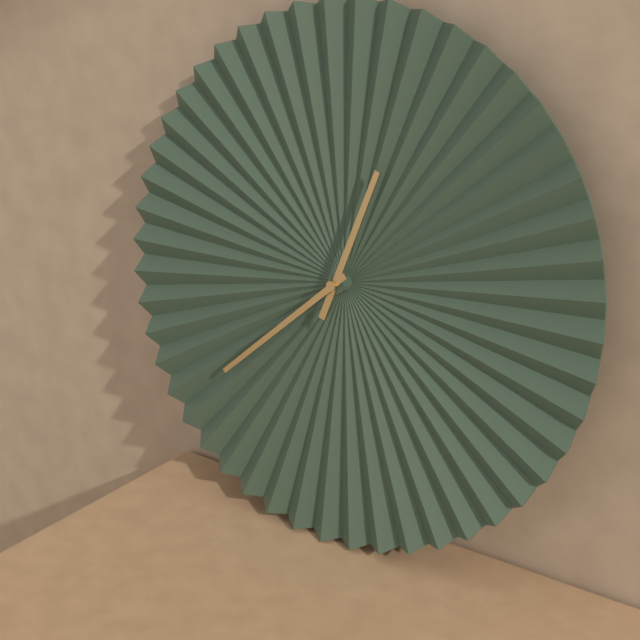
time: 12:38
